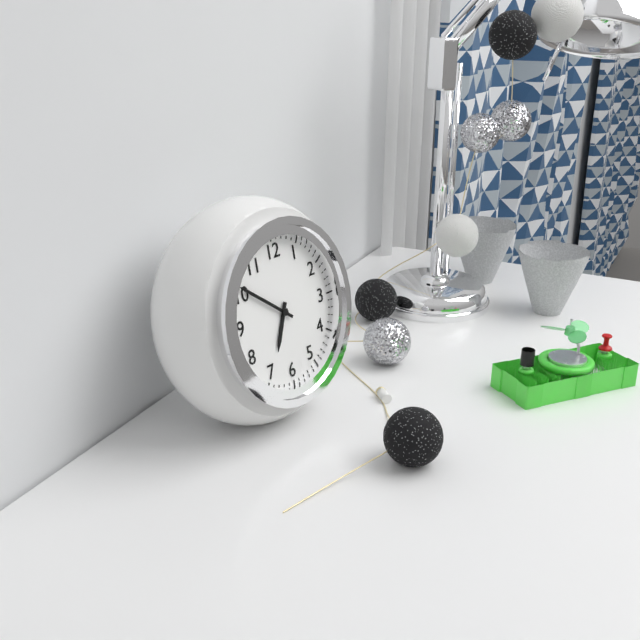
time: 6:51
